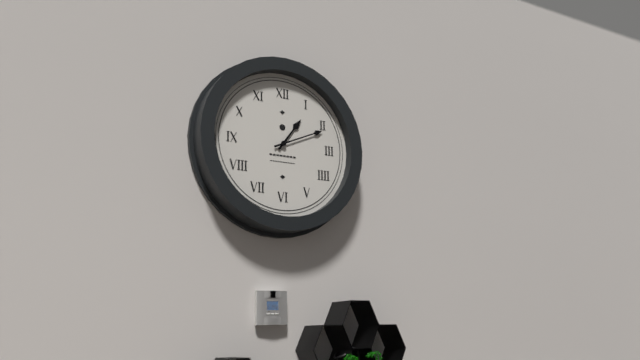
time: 1:11
